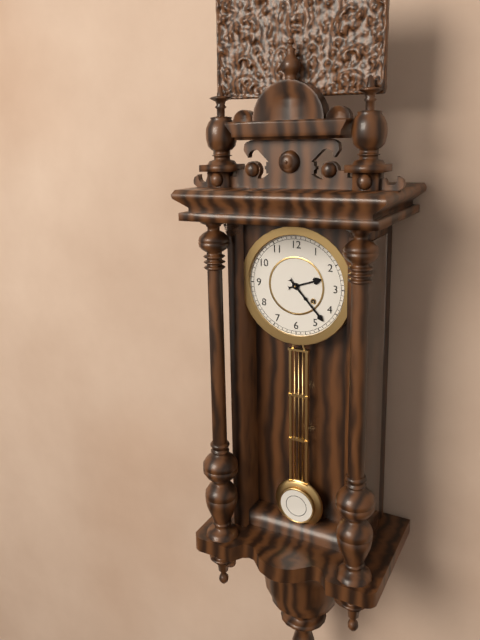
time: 2:23
